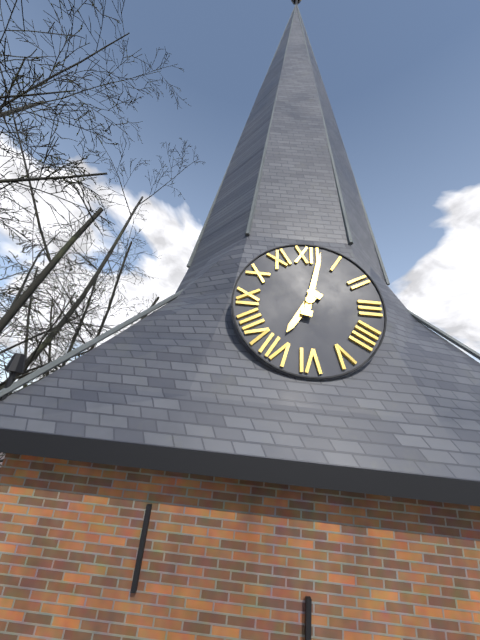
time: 7:02
